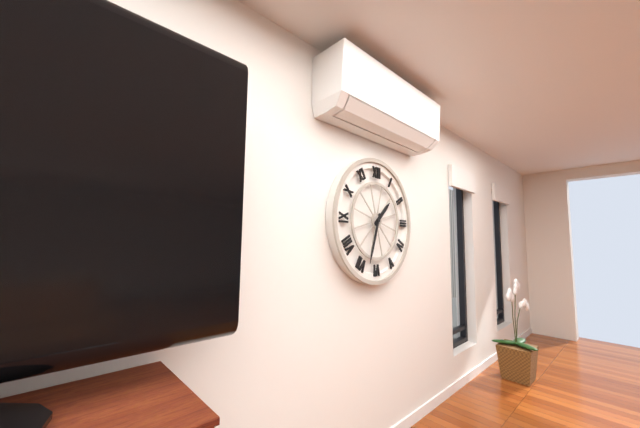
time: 1:33
